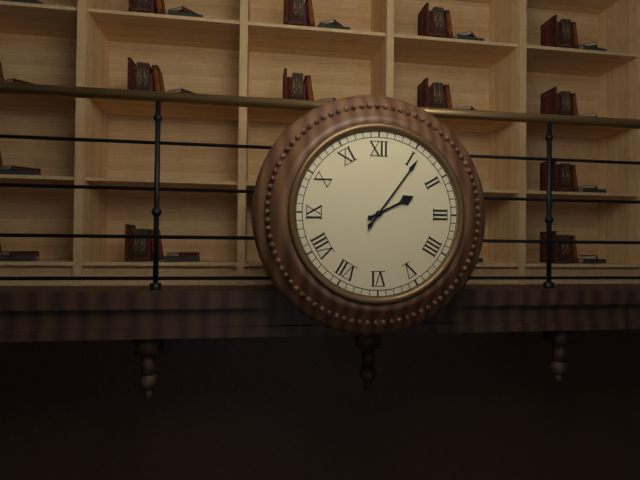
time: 2:06
